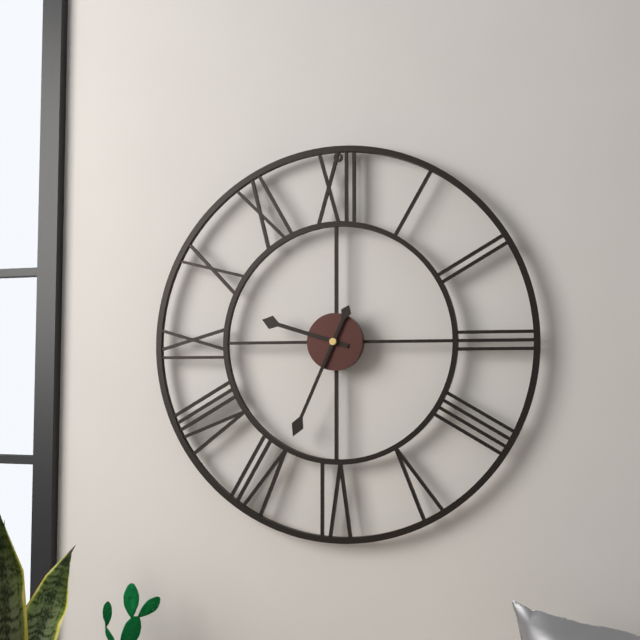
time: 9:34
